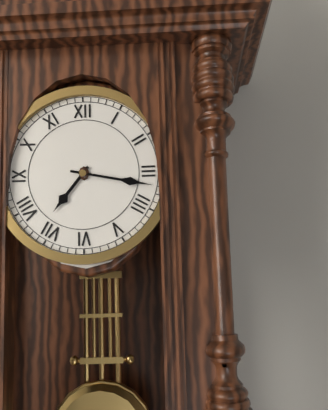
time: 7:17
